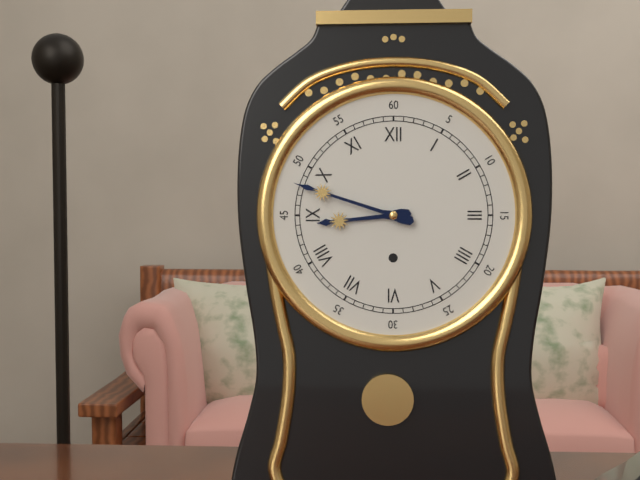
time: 8:48
